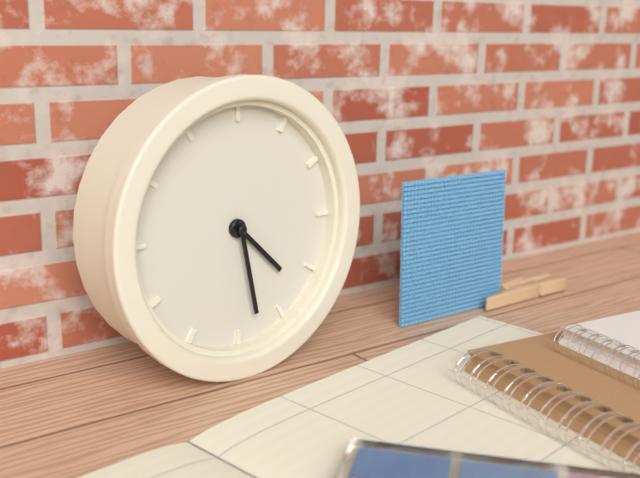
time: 4:28
